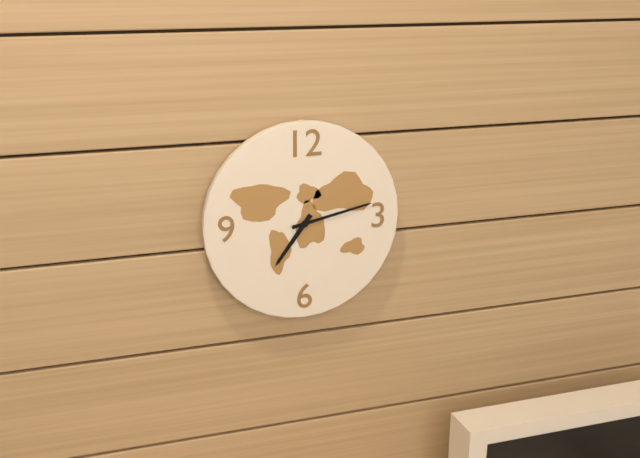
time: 7:13
